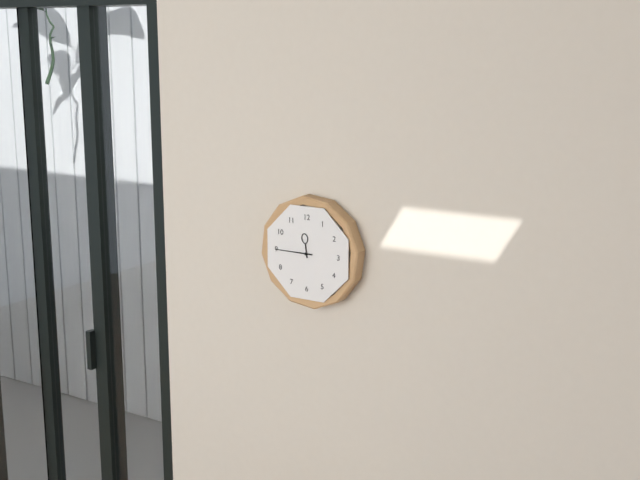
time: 11:45
